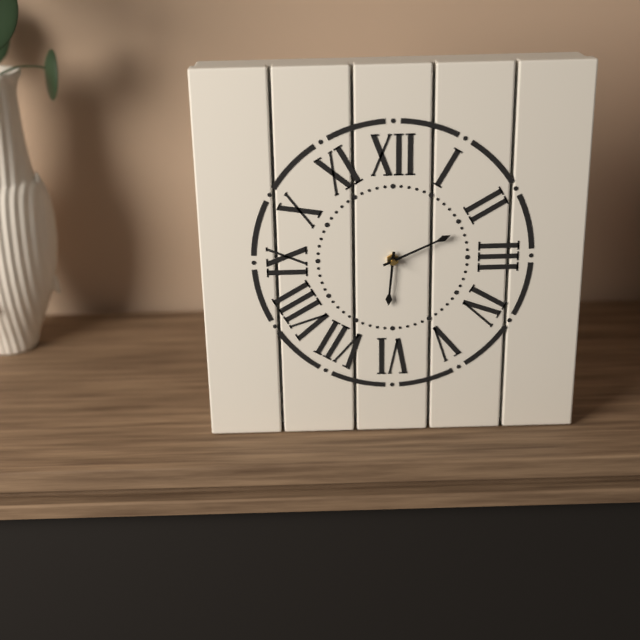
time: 6:11
